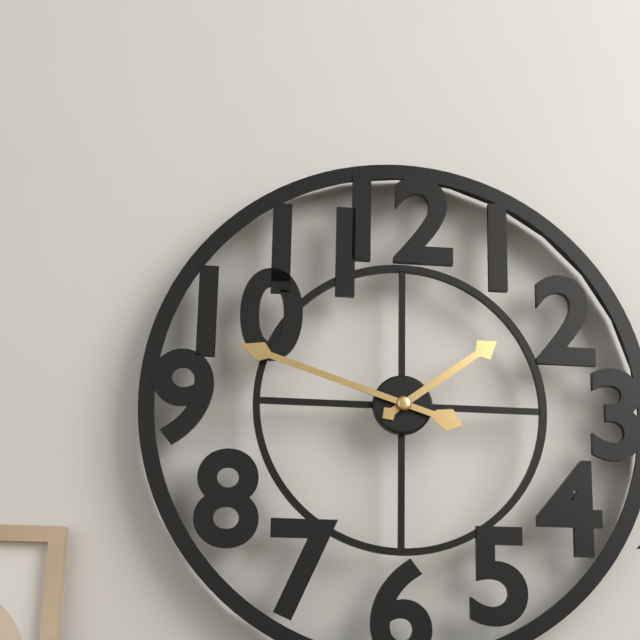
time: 1:48
